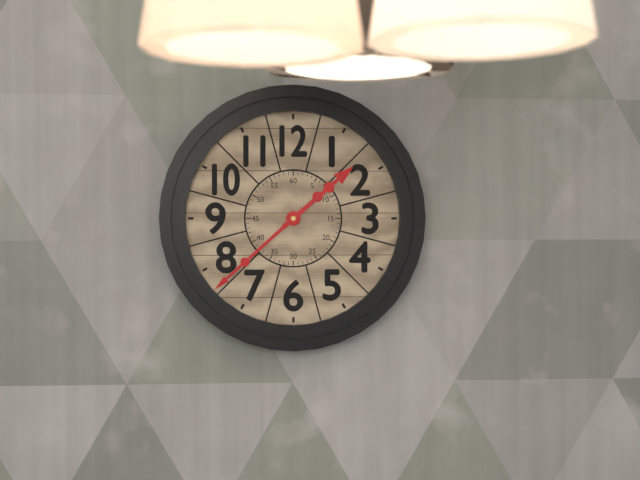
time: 1:38
